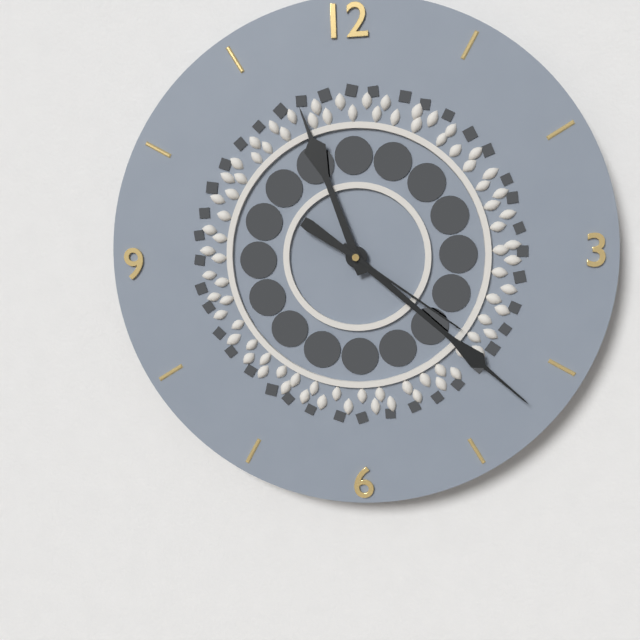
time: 11:22:21
